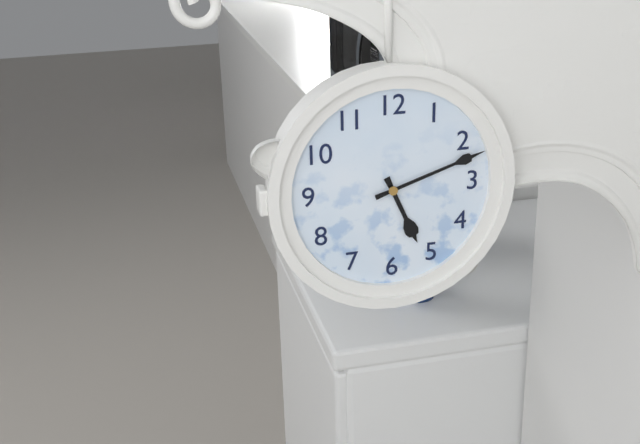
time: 5:12
